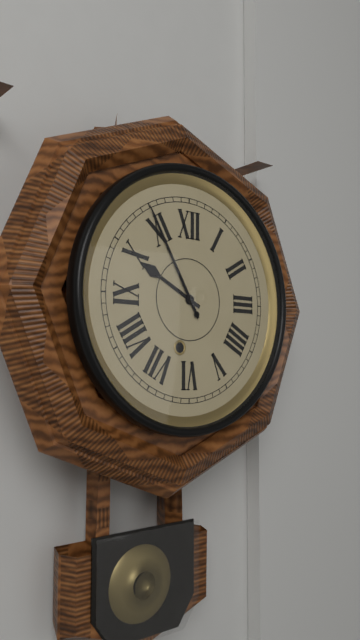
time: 9:55
